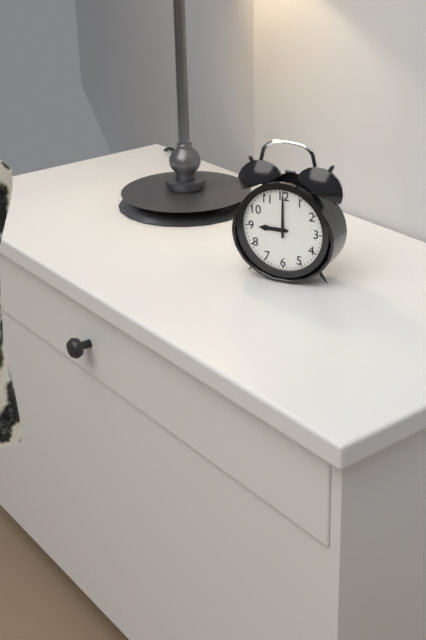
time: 9:00
